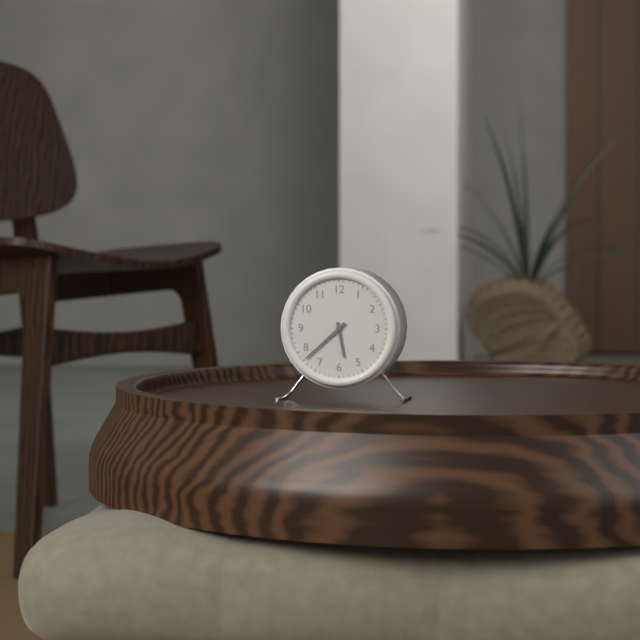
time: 5:38
